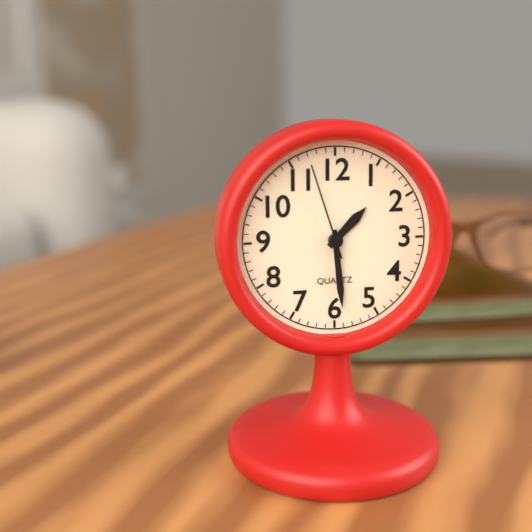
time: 1:29:57
